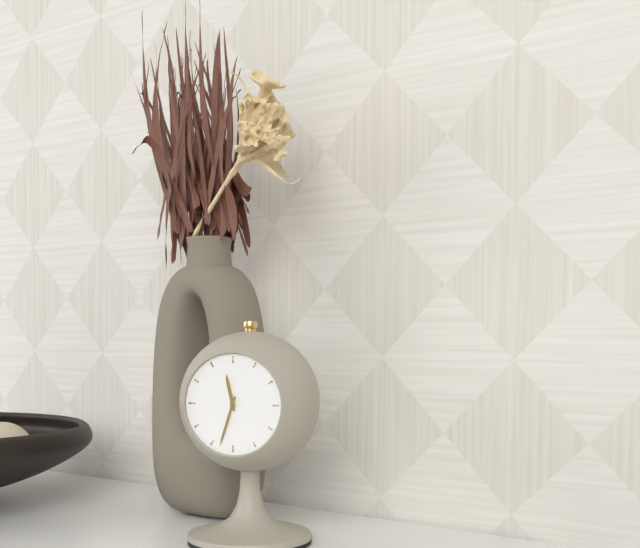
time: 11:33
